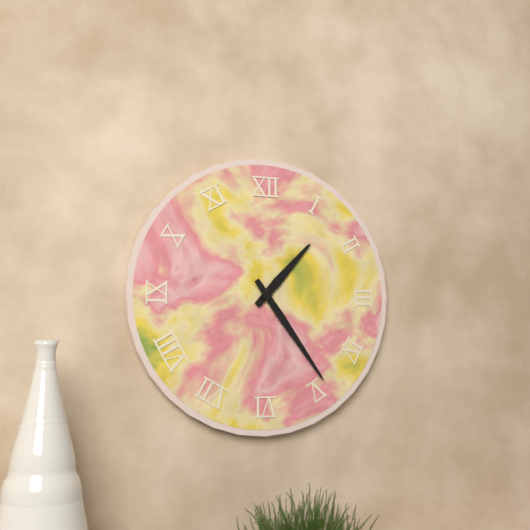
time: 1:24
